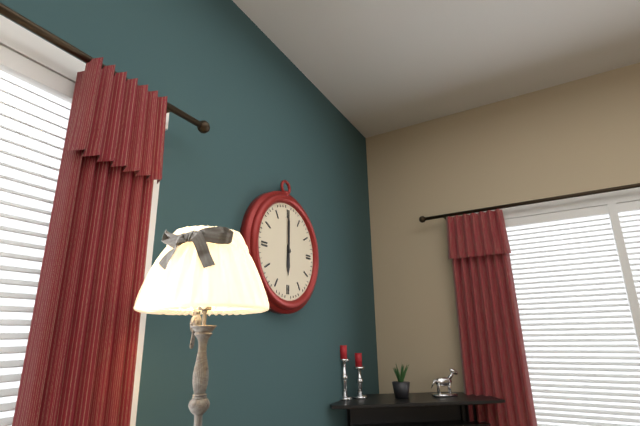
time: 6:00
